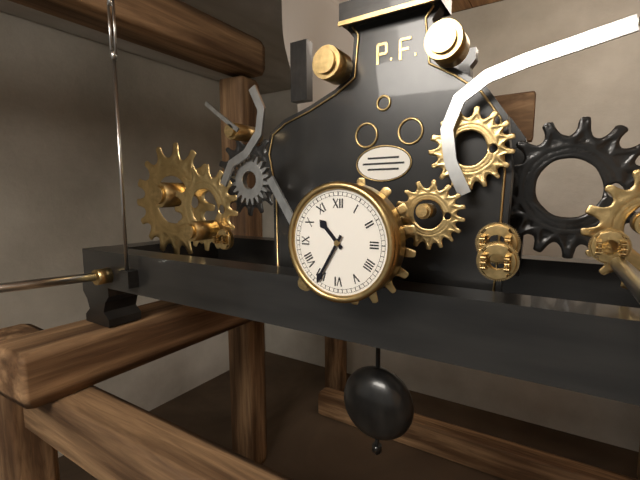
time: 10:35
